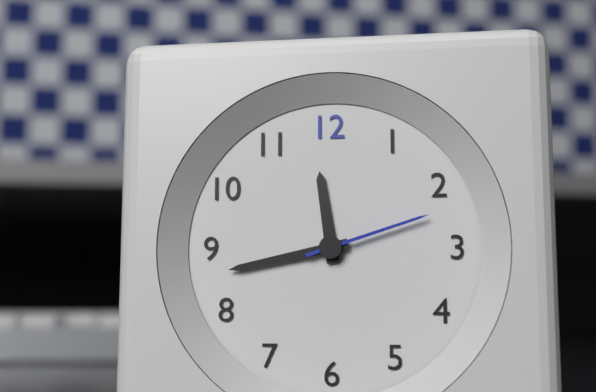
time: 11:43:12
